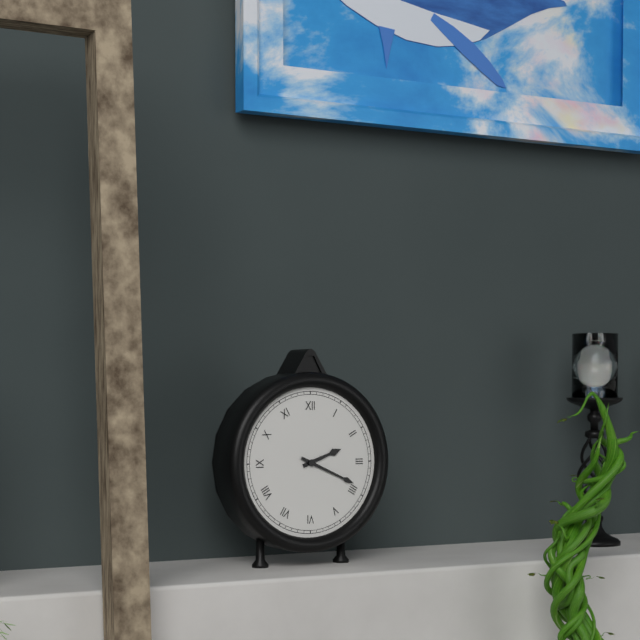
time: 2:19
